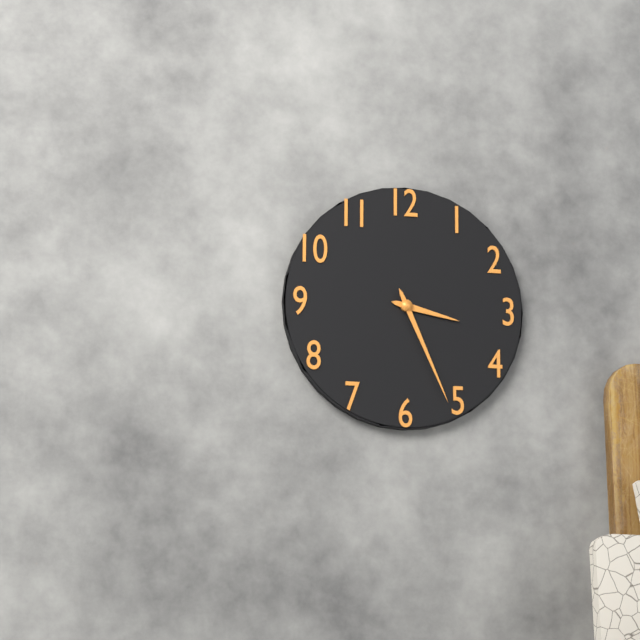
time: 3:26
